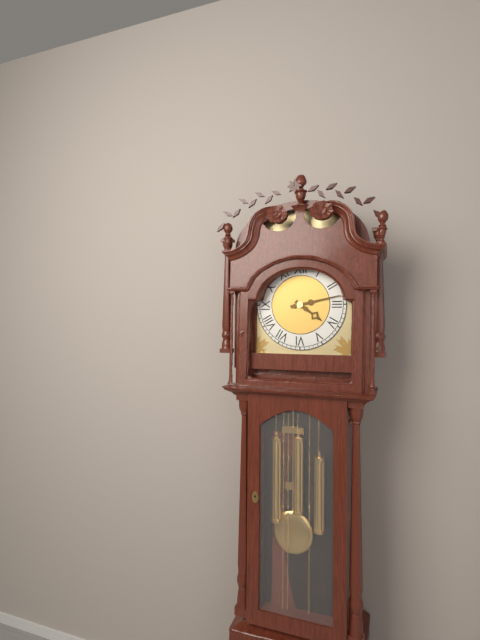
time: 4:13
